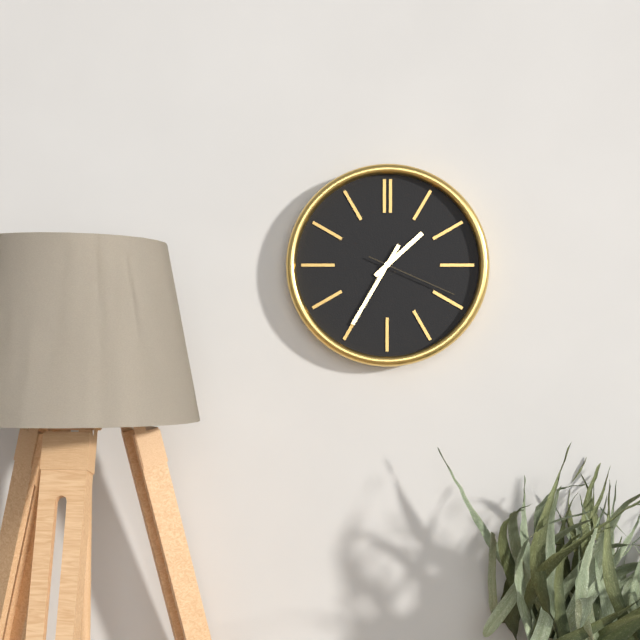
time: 1:35:19
